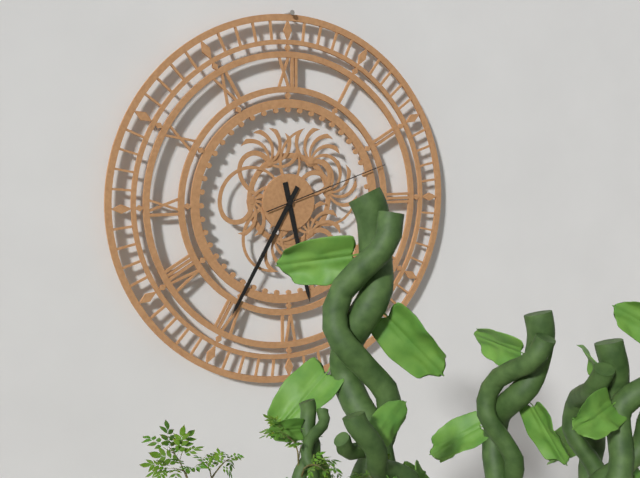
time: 5:35:12
